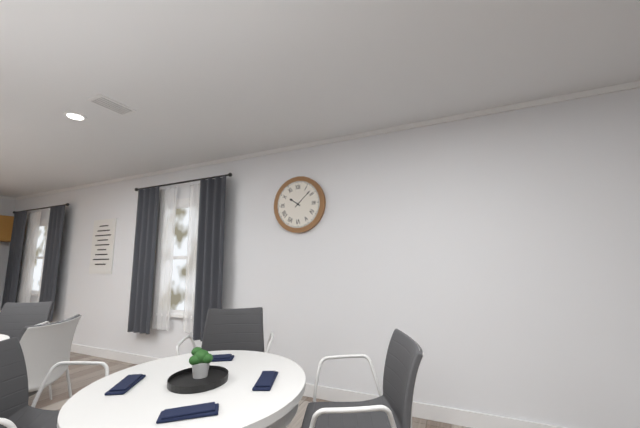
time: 10:08
